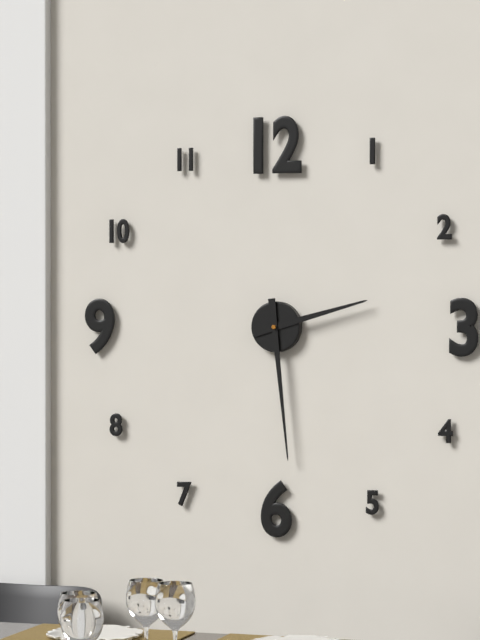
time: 2:29
